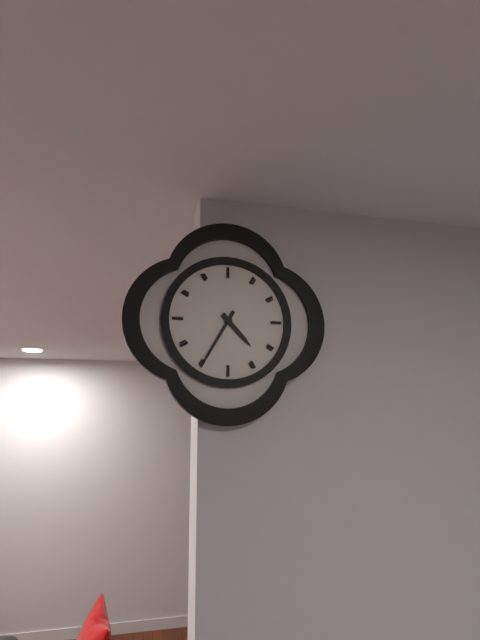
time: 4:35
